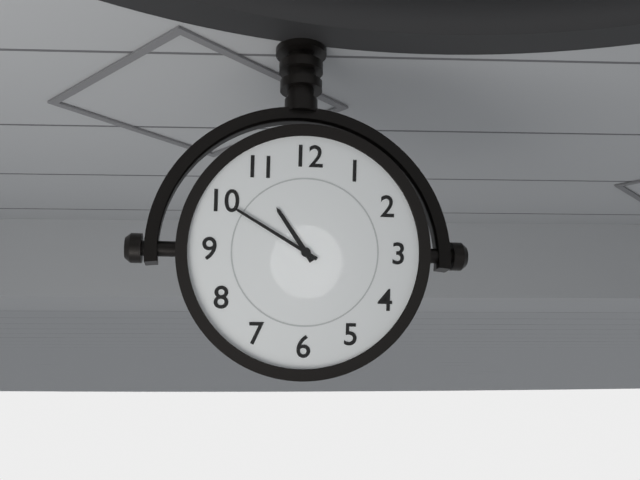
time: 10:50
